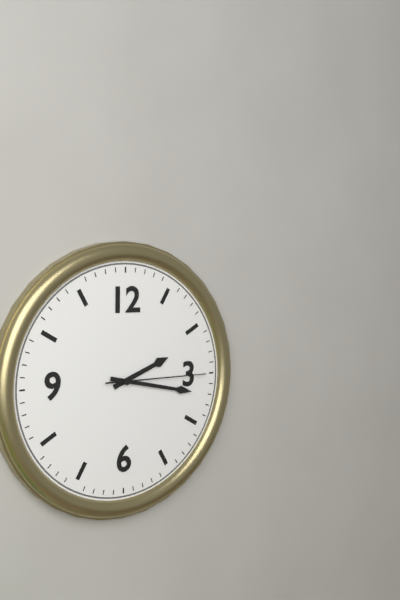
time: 2:17:15
